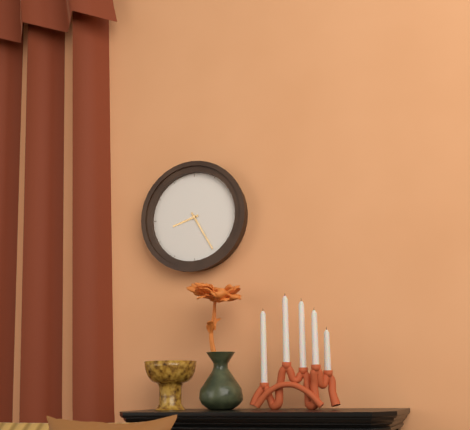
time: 8:25
